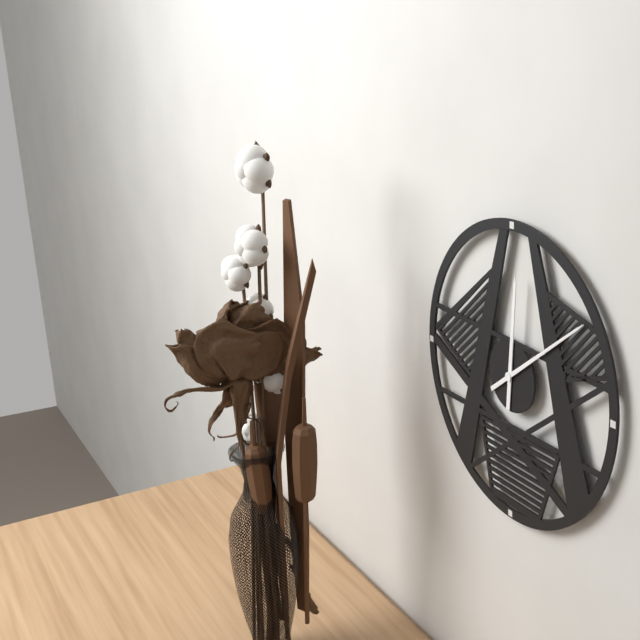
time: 12:09
